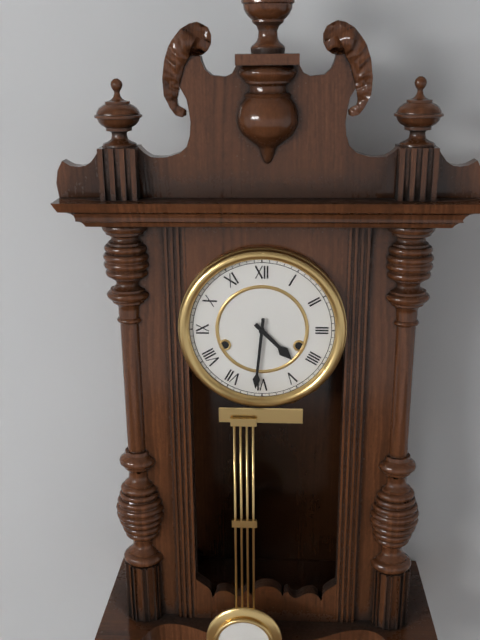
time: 4:31
